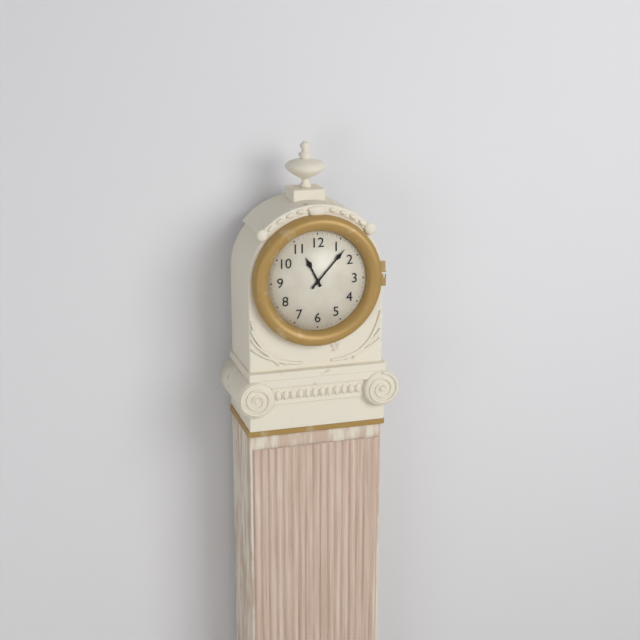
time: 11:07
